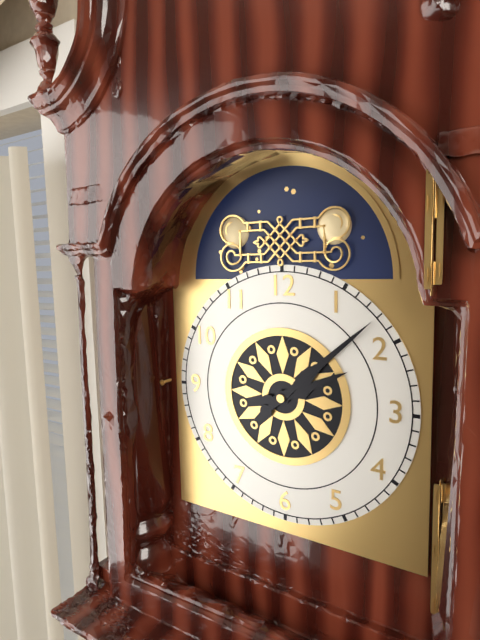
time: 2:08
